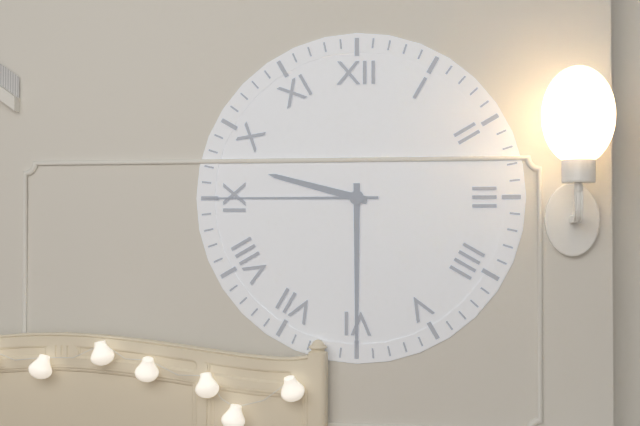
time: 9:30:45
